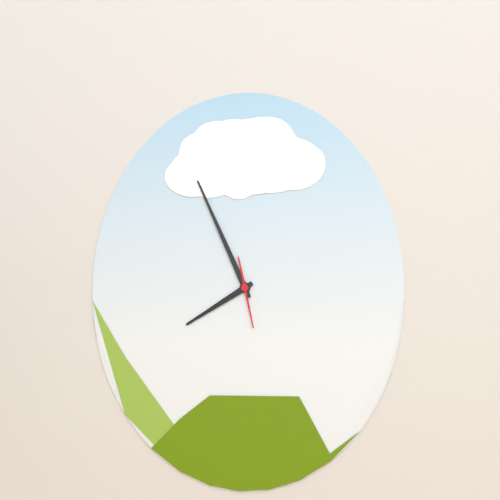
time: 7:56:28
